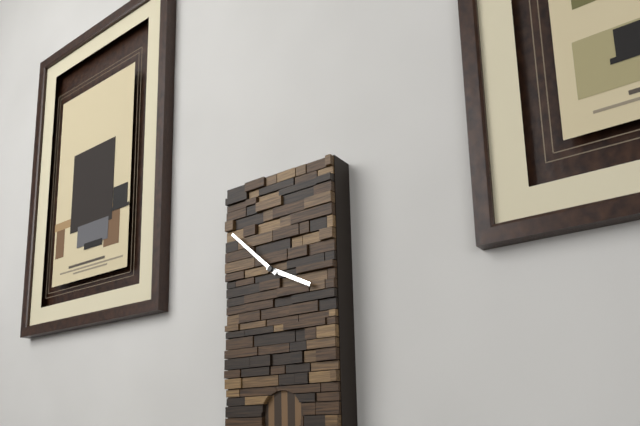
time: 3:52
